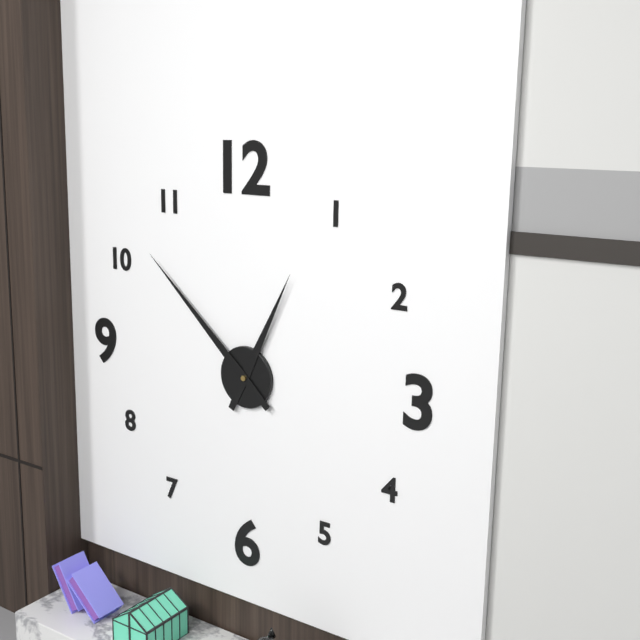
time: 12:52
